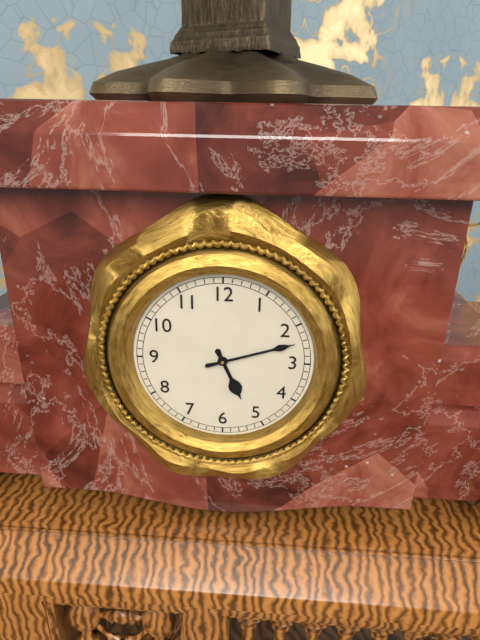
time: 5:12
